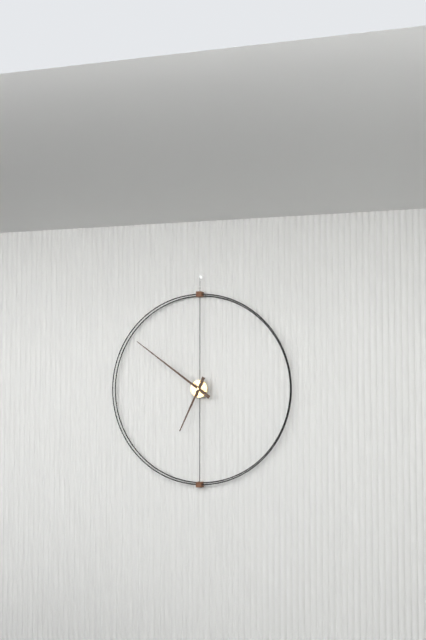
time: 6:51
